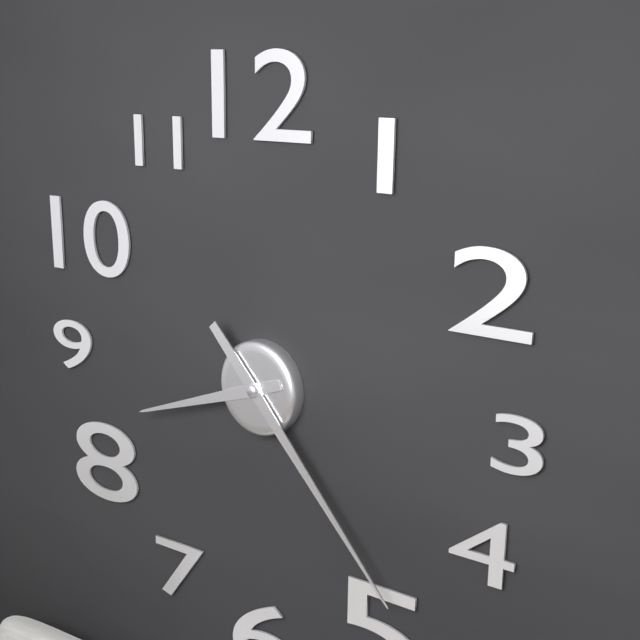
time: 8:23
